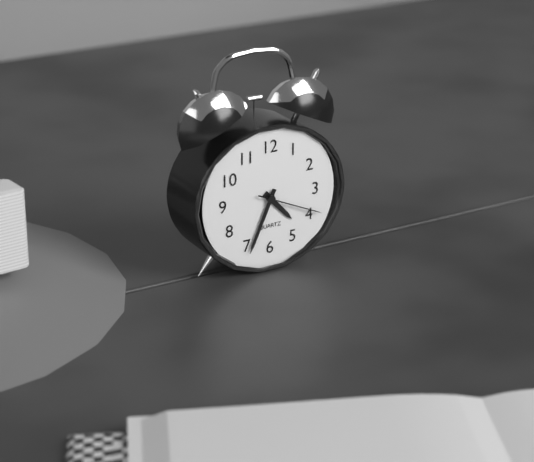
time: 4:34:19
